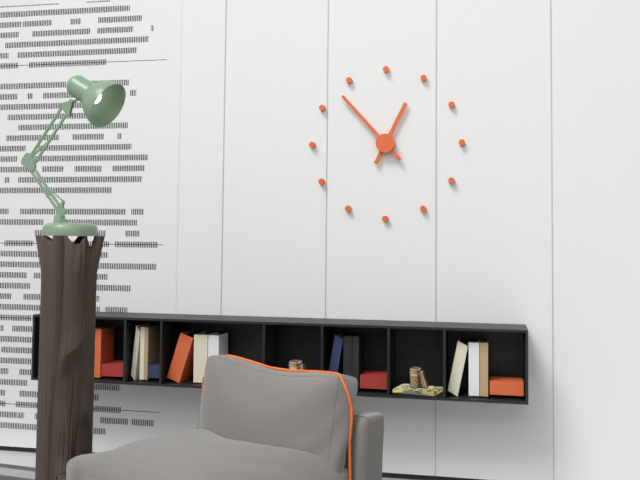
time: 12:53
